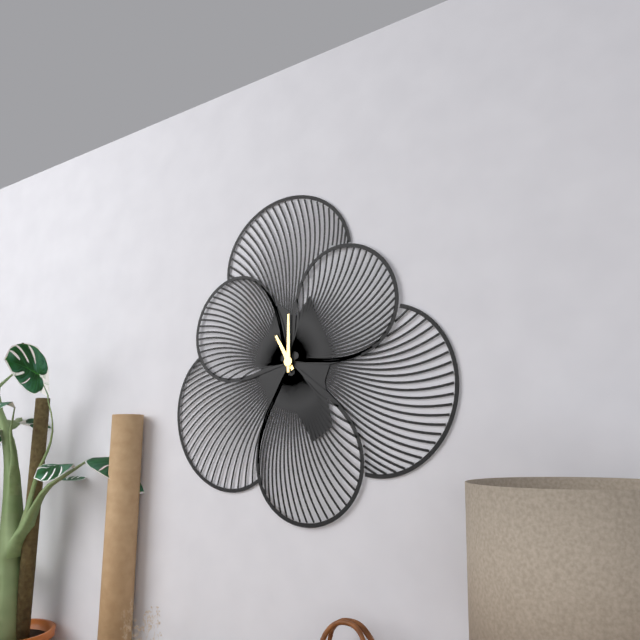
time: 11:00
